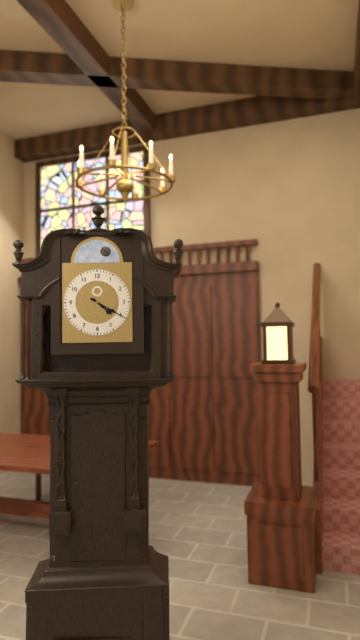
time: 4:20
